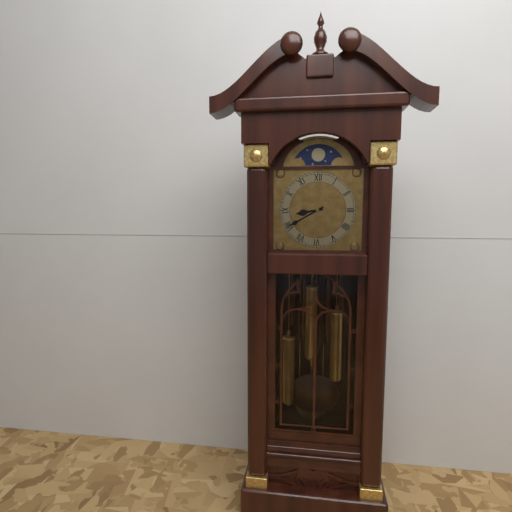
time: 8:40
